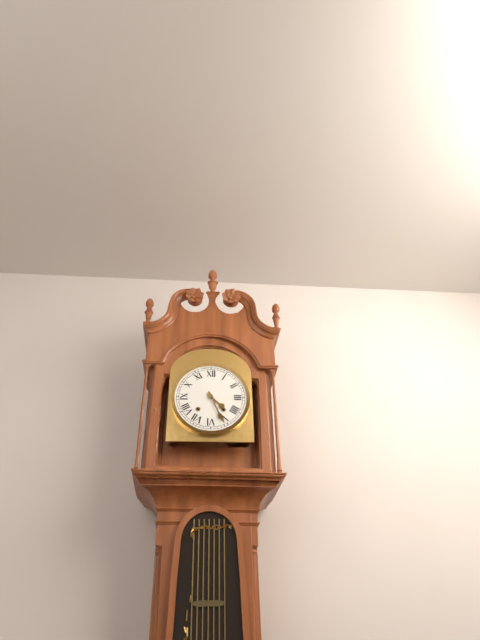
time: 4:26
